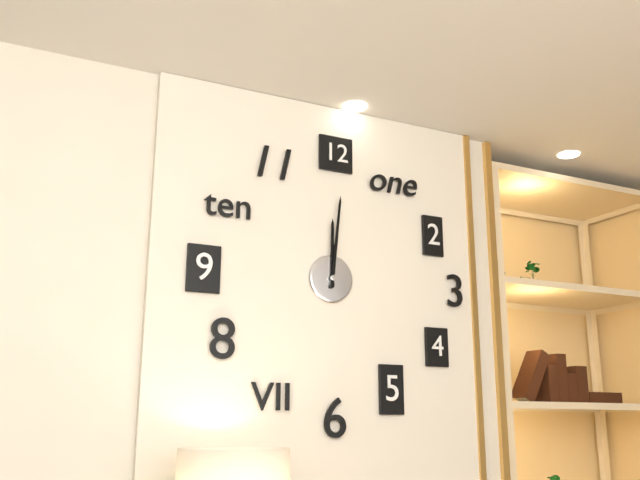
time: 12:01
